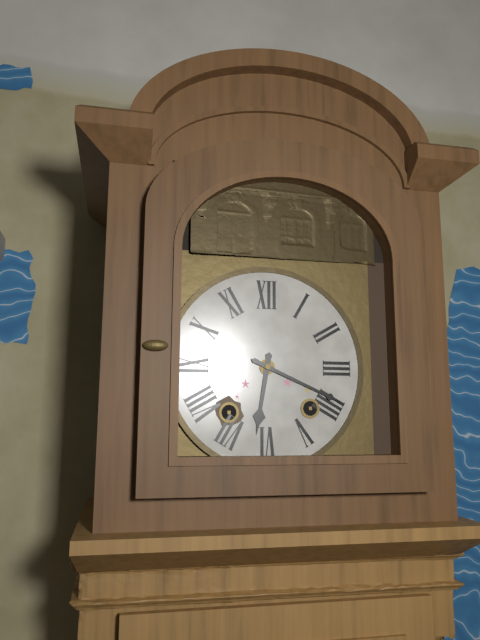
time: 6:19
